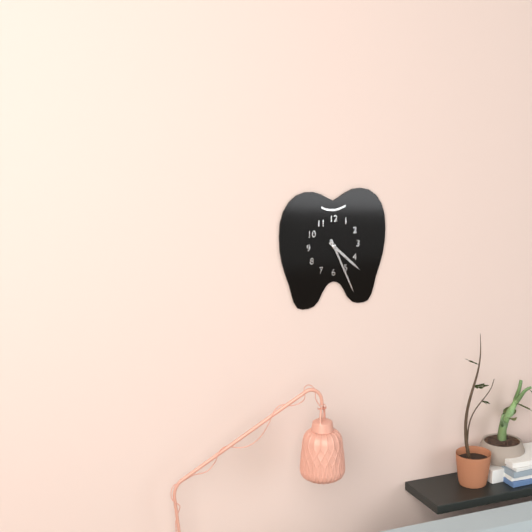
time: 4:26
